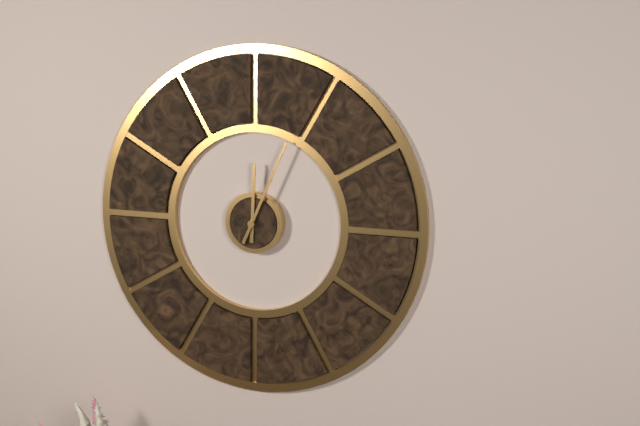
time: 12:04
